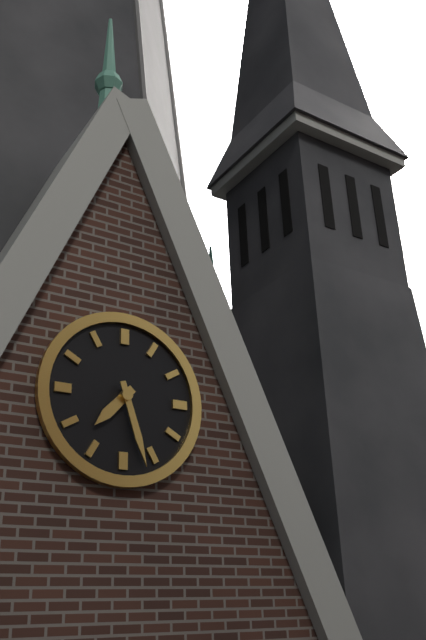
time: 7:27
